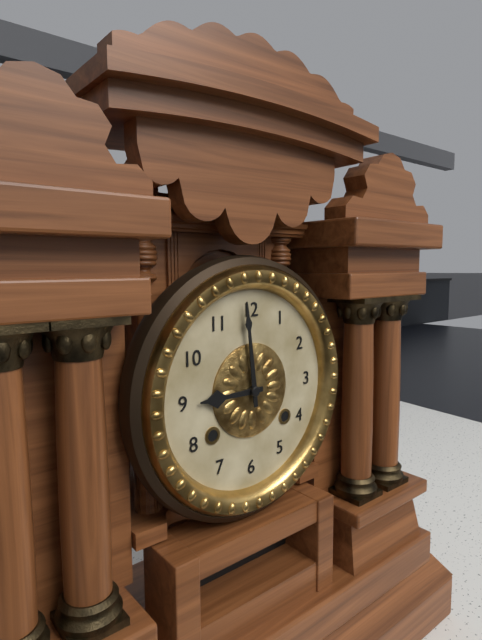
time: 8:59
